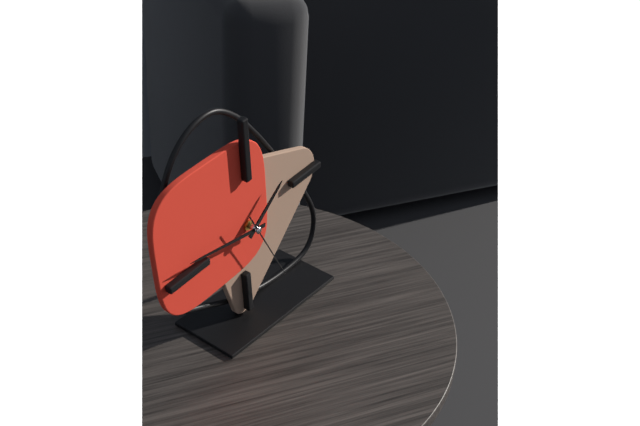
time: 1:47:26
